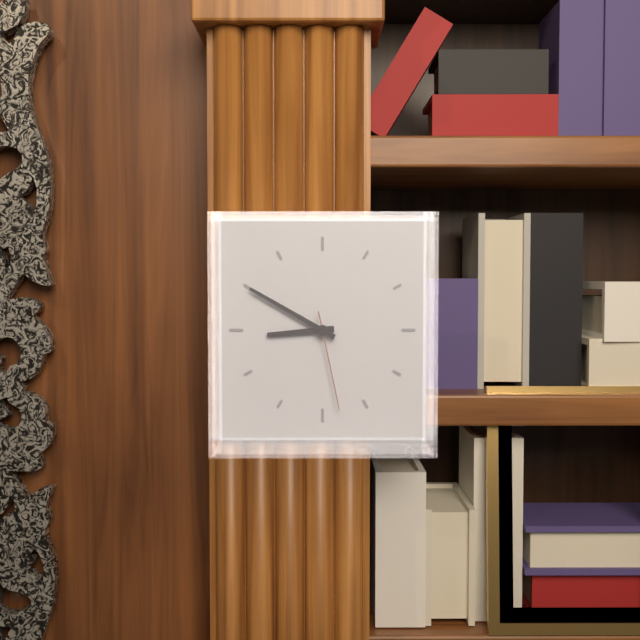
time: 8:50:28
